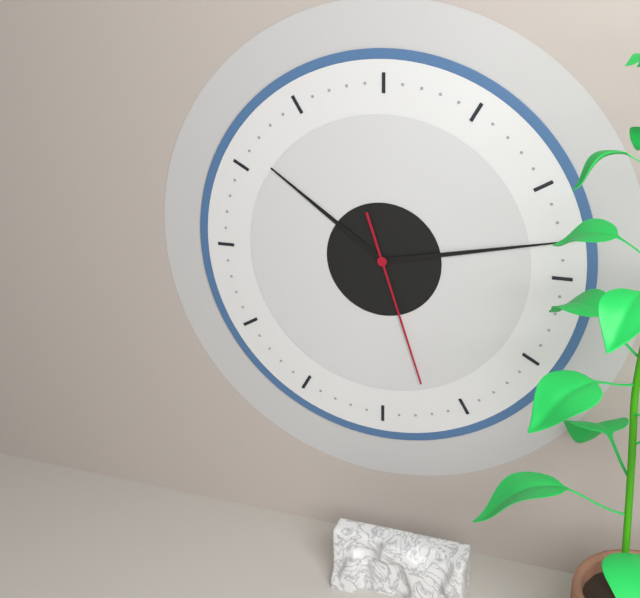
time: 10:13:27
